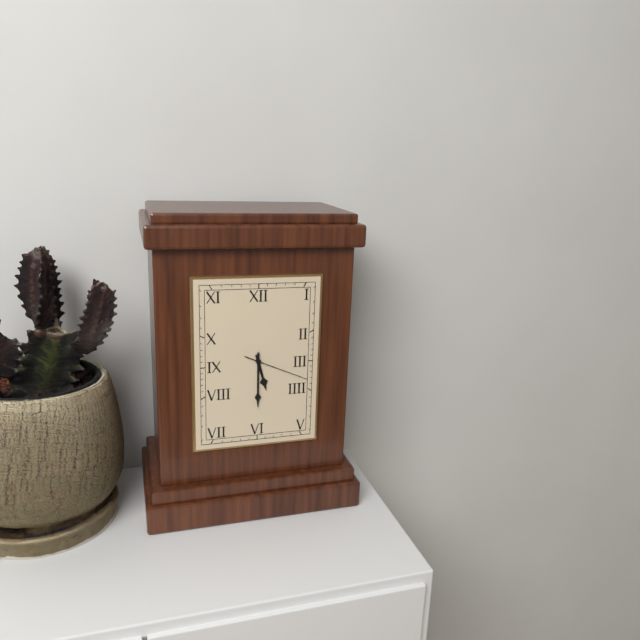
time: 5:30:19
